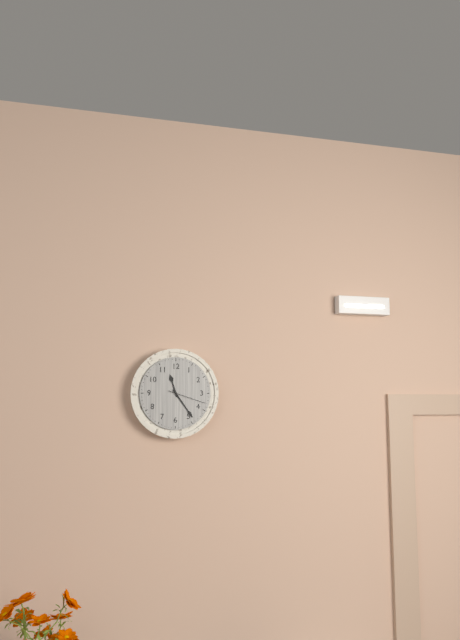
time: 11:24
